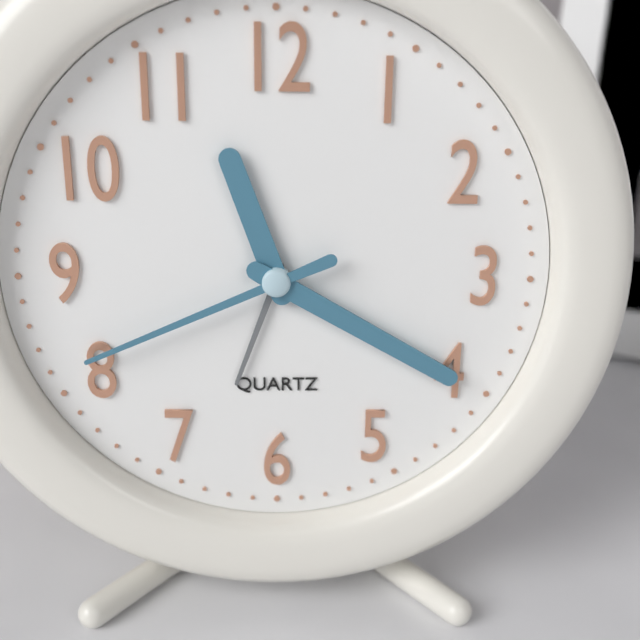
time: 11:20:41
